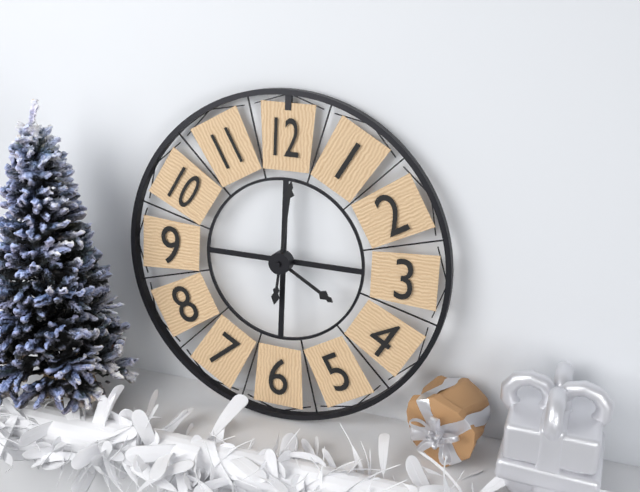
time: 4:01
